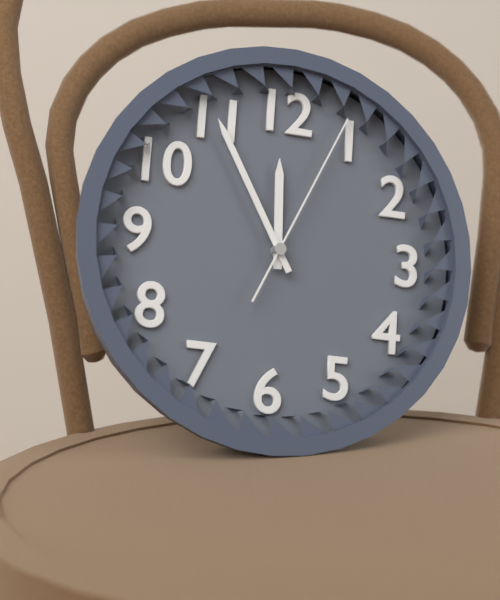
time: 11:55:04
